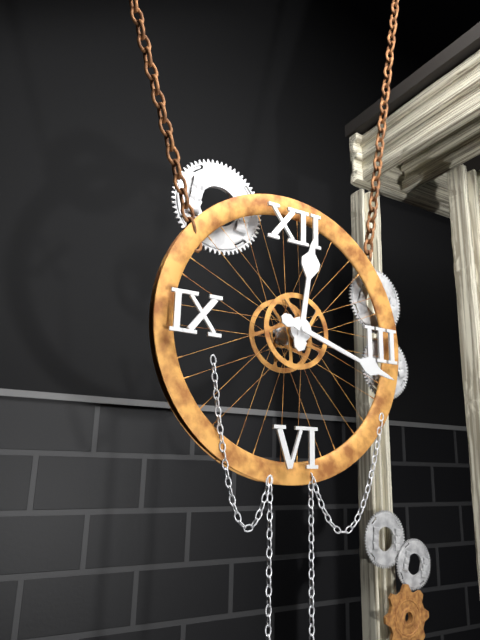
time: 12:18
